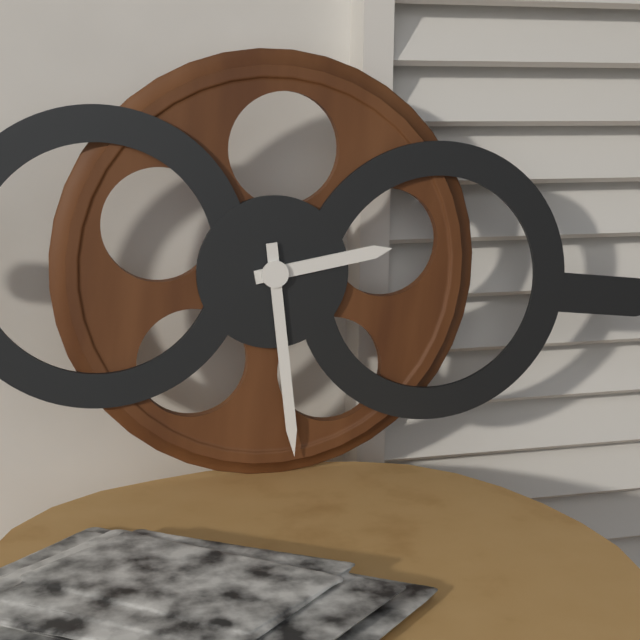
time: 2:28
